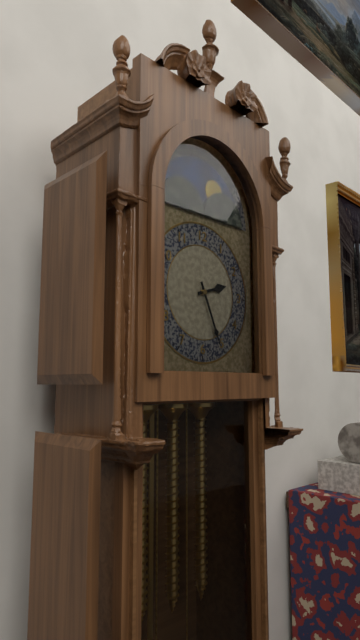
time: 2:26
